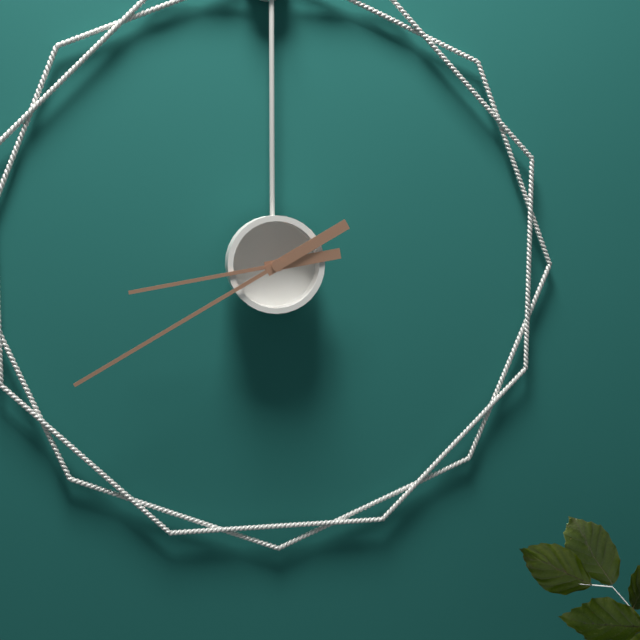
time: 8:40
